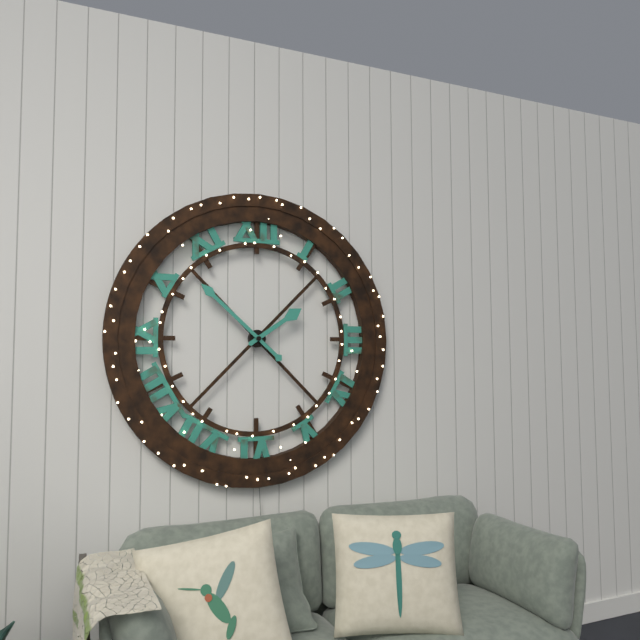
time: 1:52
